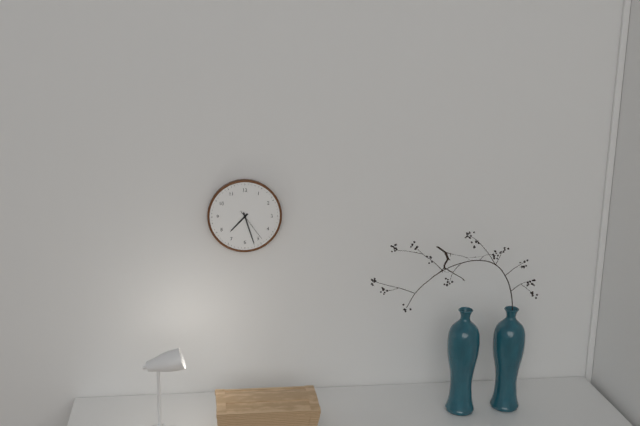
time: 7:27
